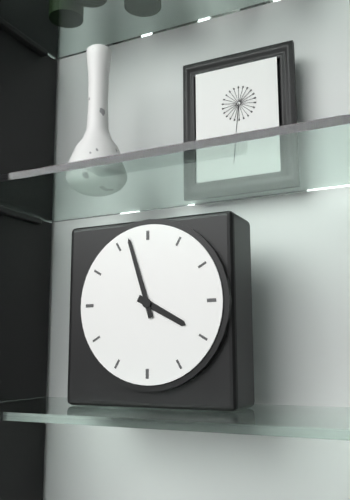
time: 3:57
